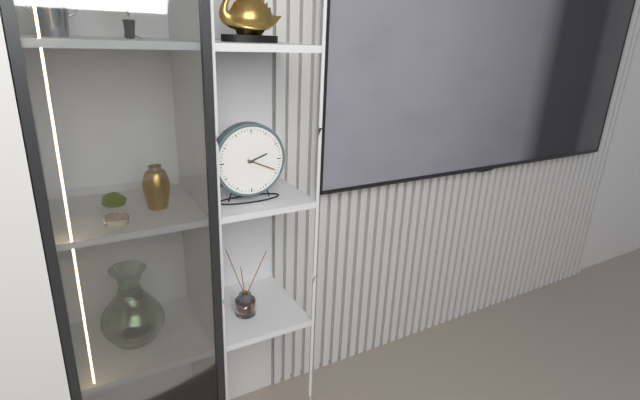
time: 2:19
